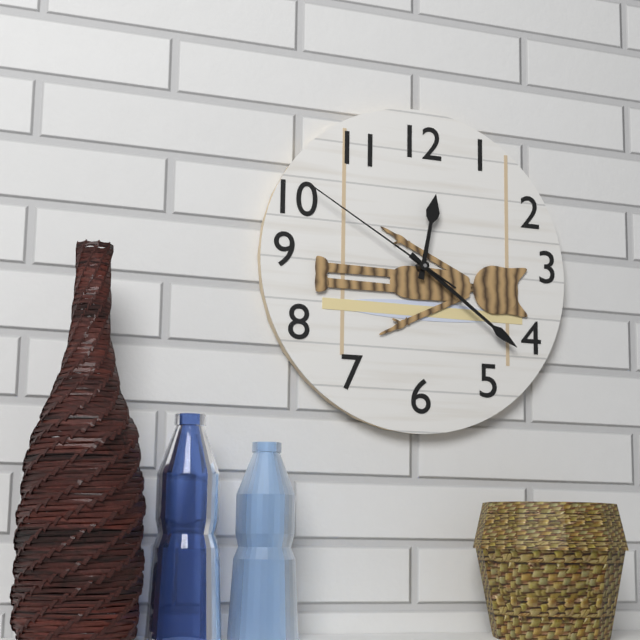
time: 12:21:50
